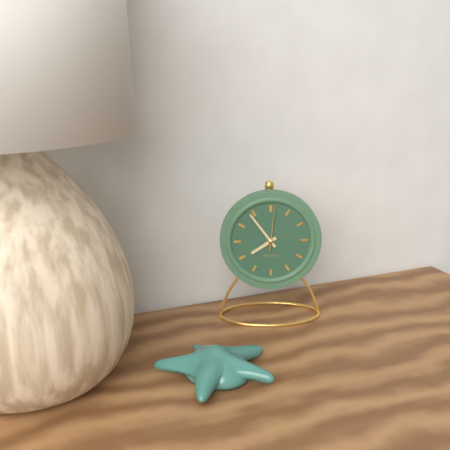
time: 7:54
